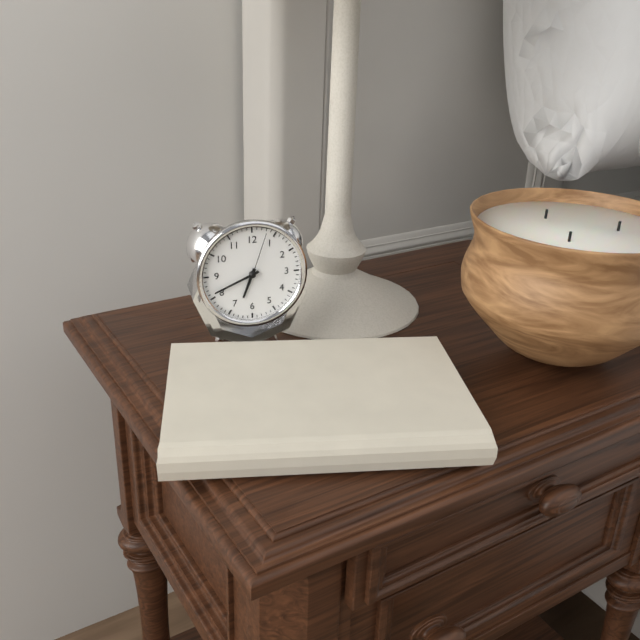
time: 6:41:03
